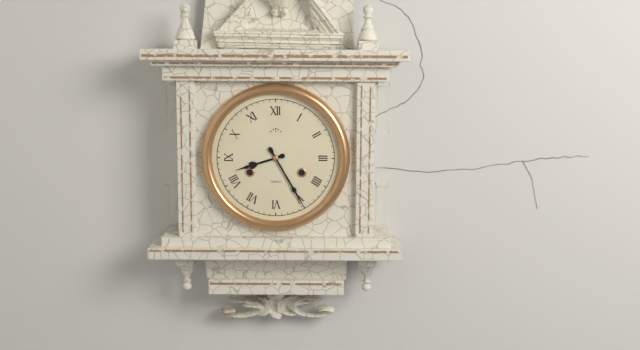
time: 8:25
